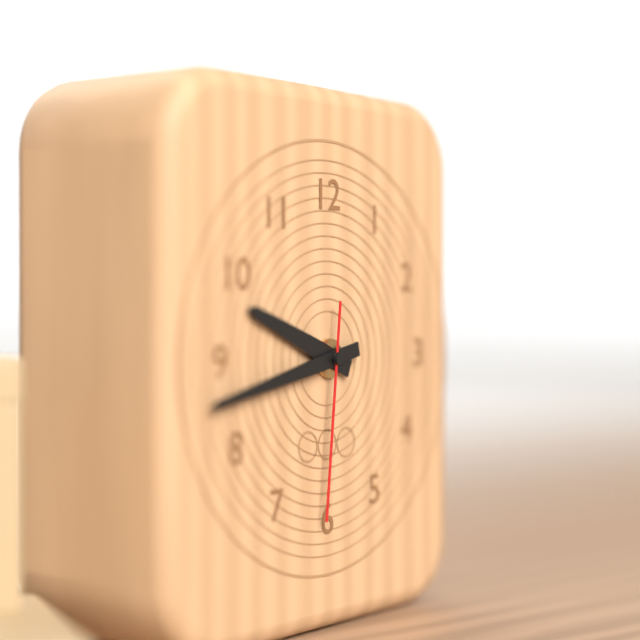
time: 9:43:31
